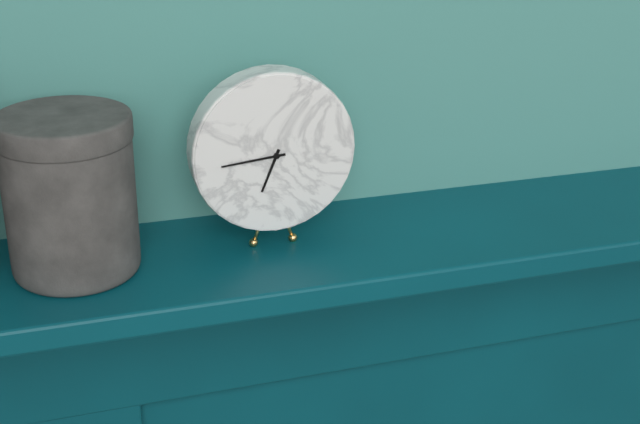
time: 6:44
